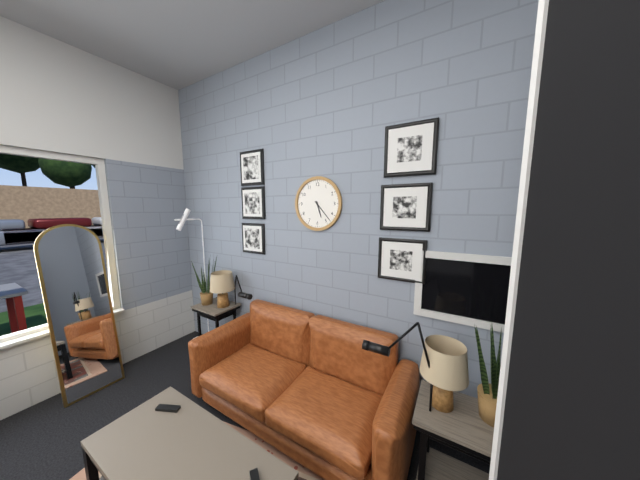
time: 5:23
